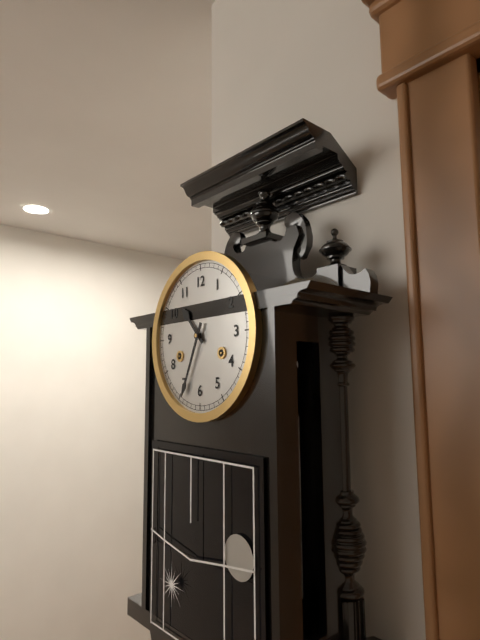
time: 10:34
